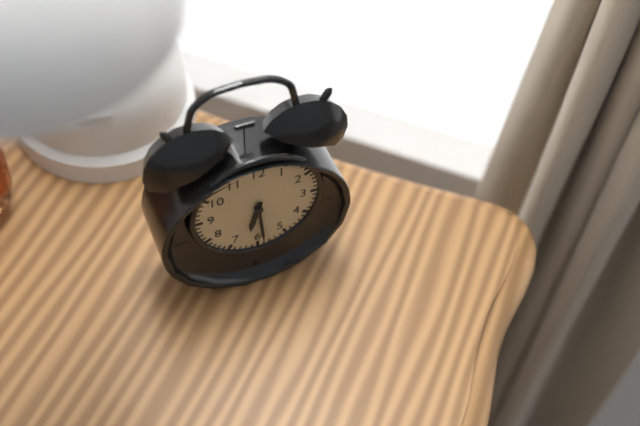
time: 6:29
